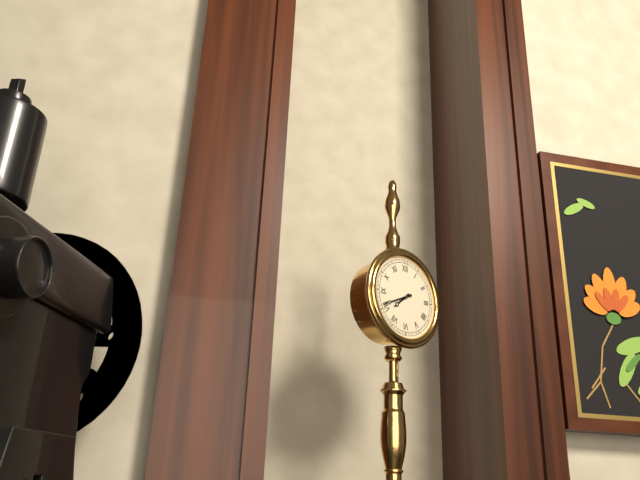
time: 7:41
